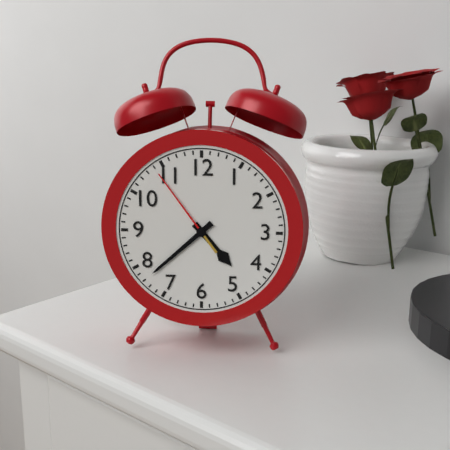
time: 4:38:54
